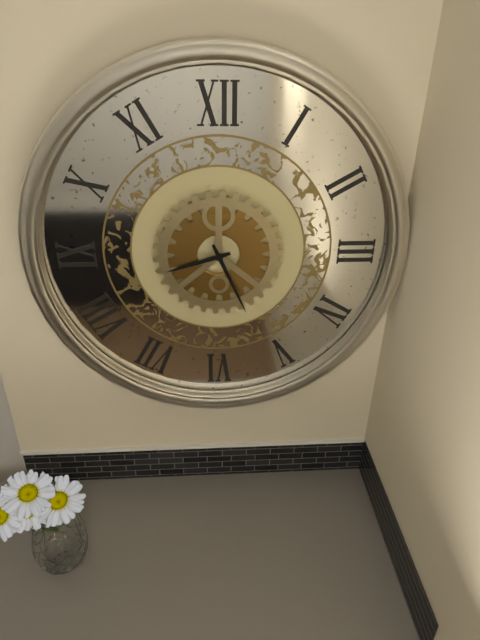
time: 8:26
